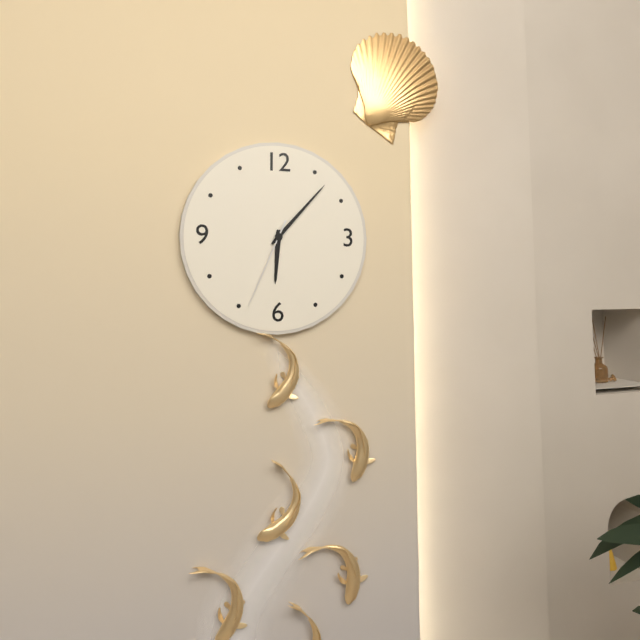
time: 6:07:34
